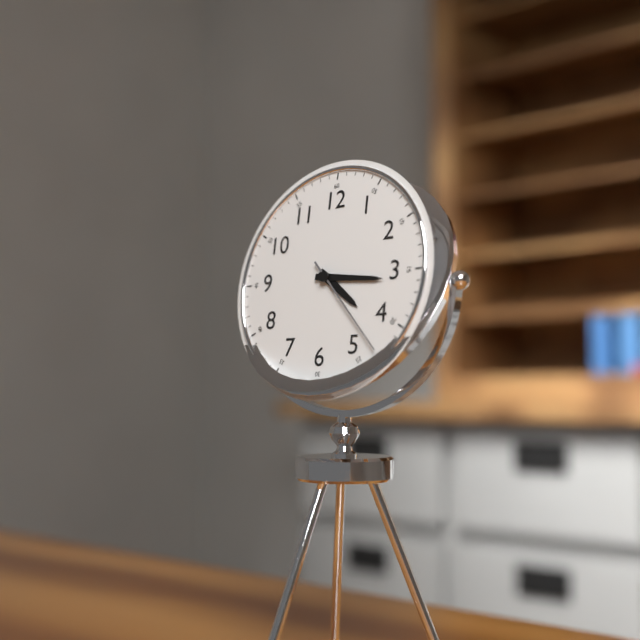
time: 4:16:23
